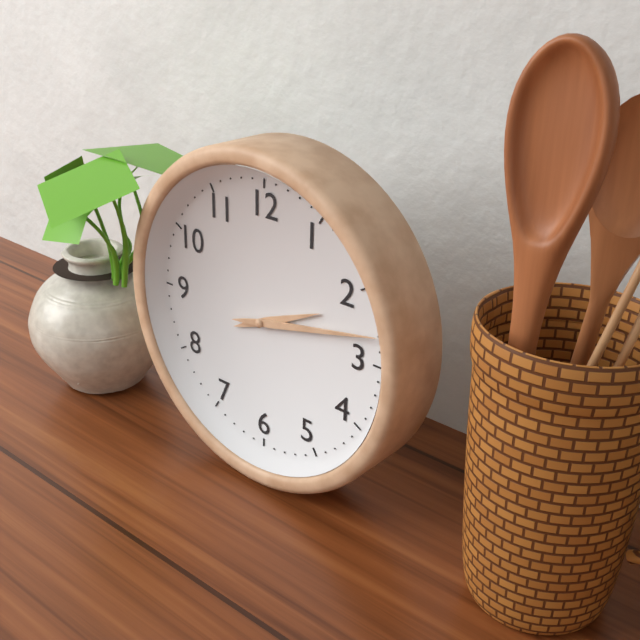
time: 2:13
